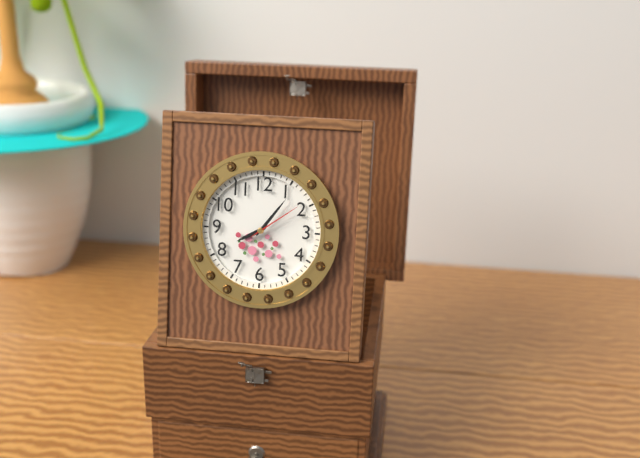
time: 8:06:09
